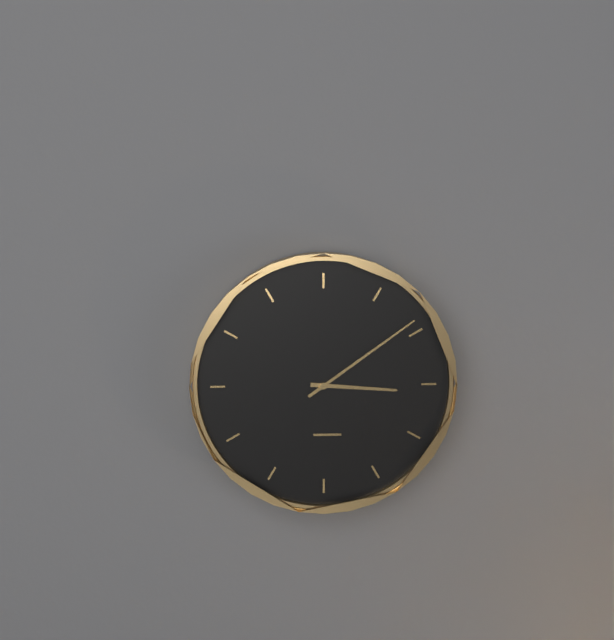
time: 3:09
